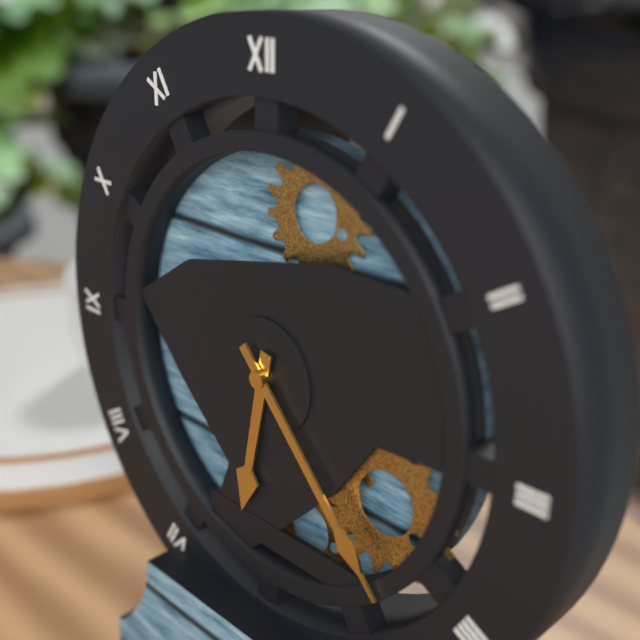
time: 6:23
